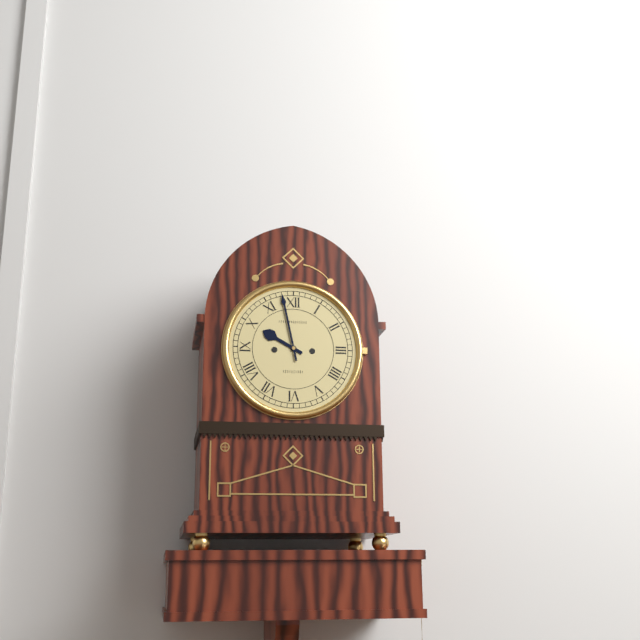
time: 9:58
